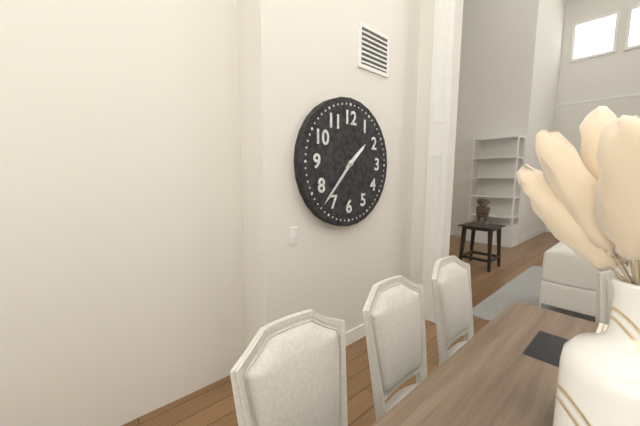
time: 1:37
